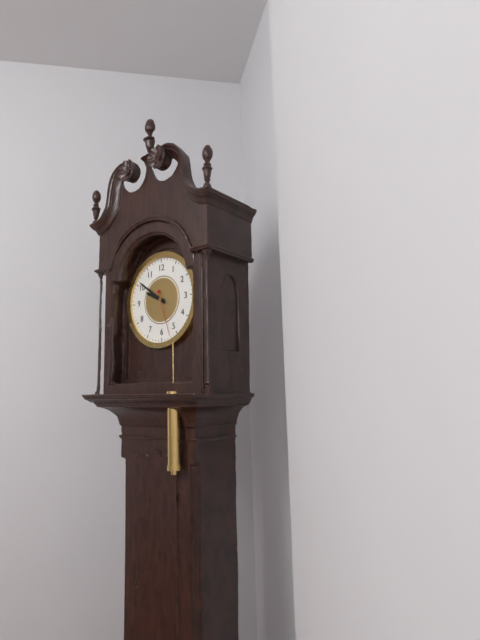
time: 9:51
